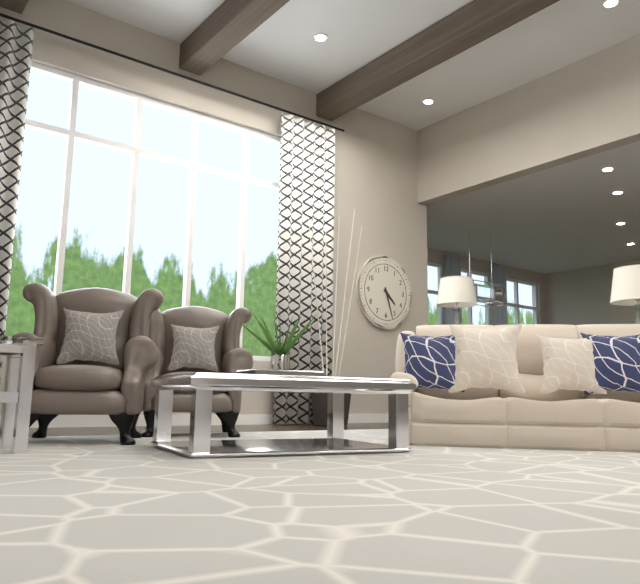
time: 4:27
